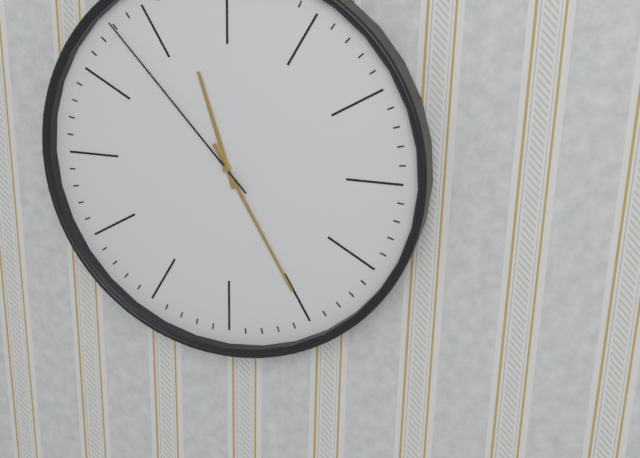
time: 11:25:53
